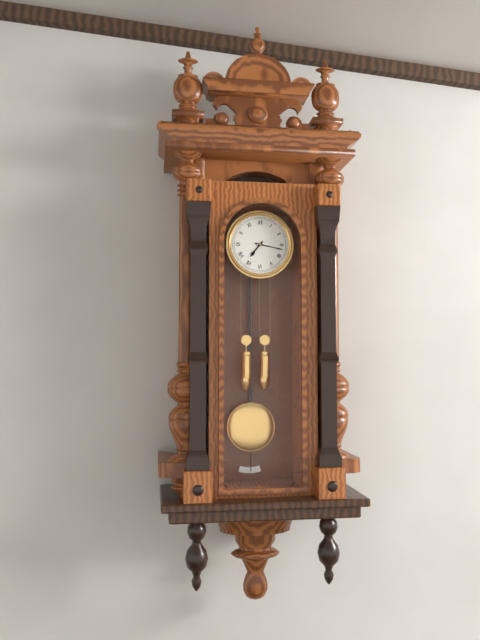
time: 7:17
